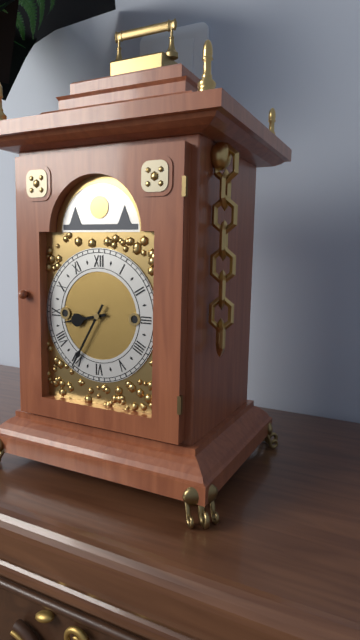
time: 8:35
